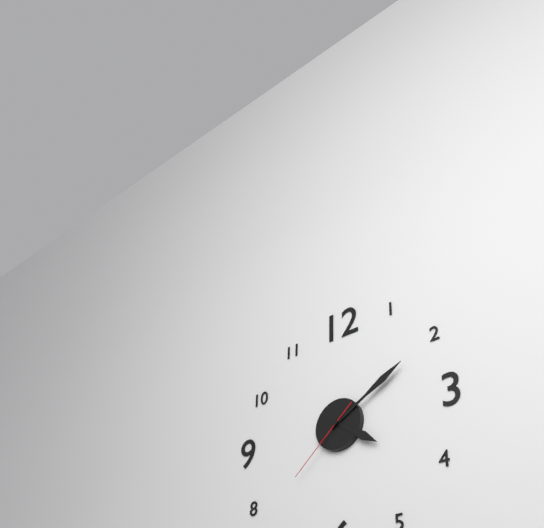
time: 4:10:38
